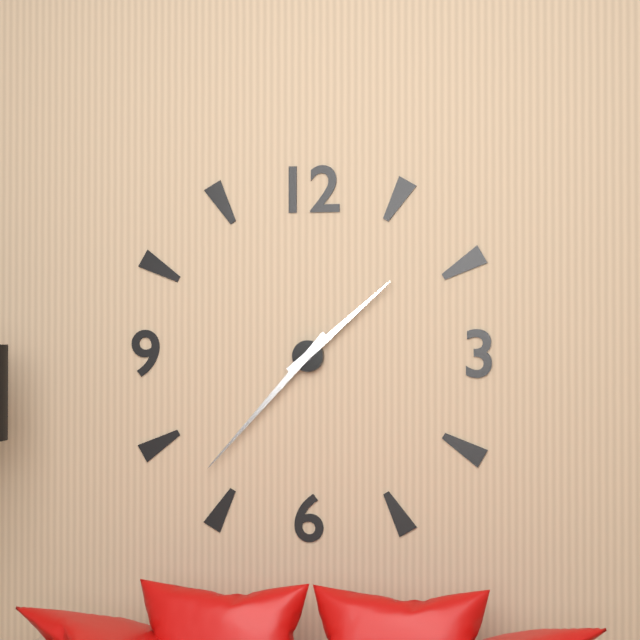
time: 1:37
